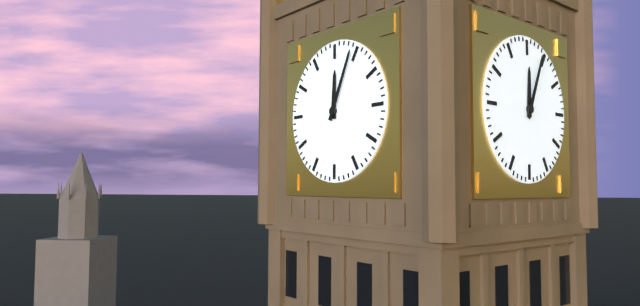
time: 12:04
